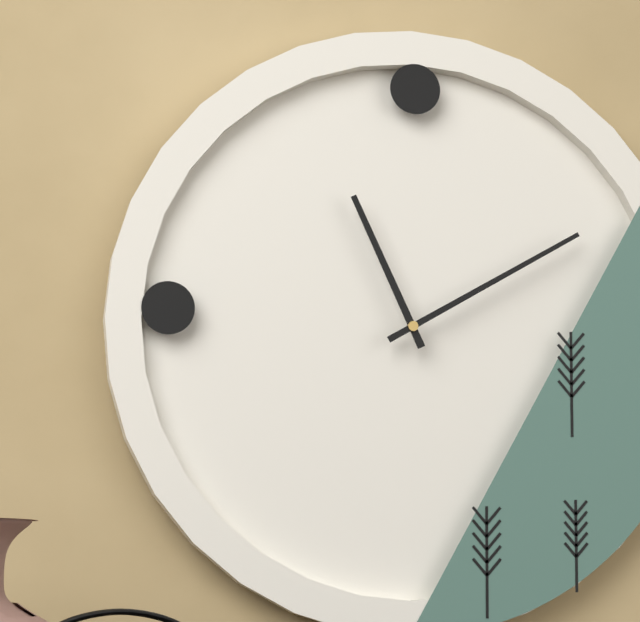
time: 11:10
